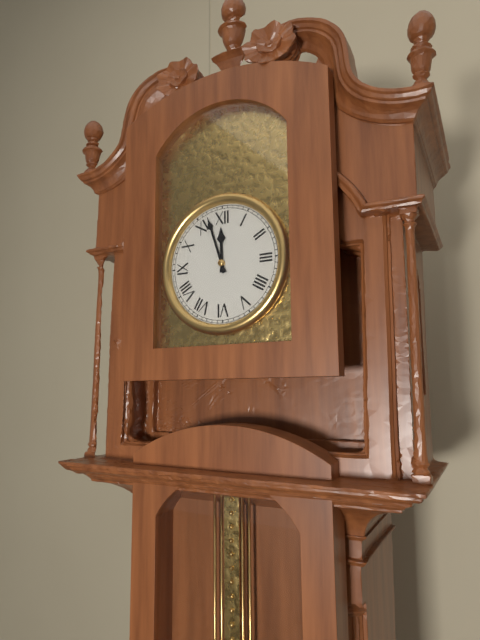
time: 11:57
